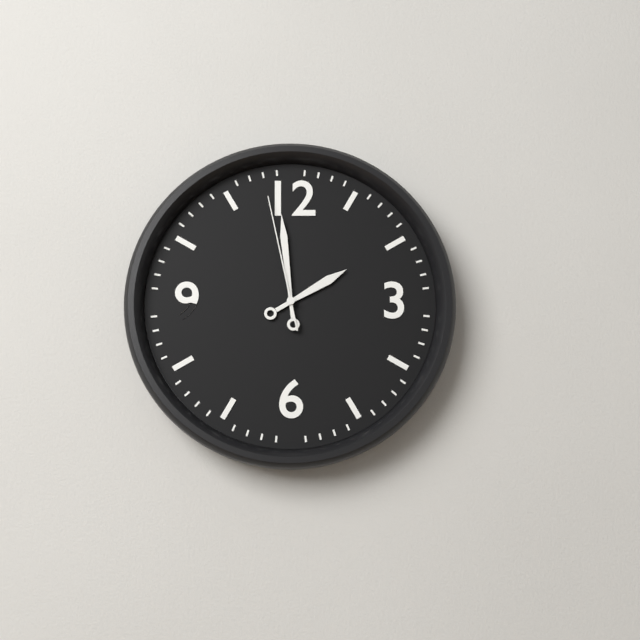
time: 1:59:58
